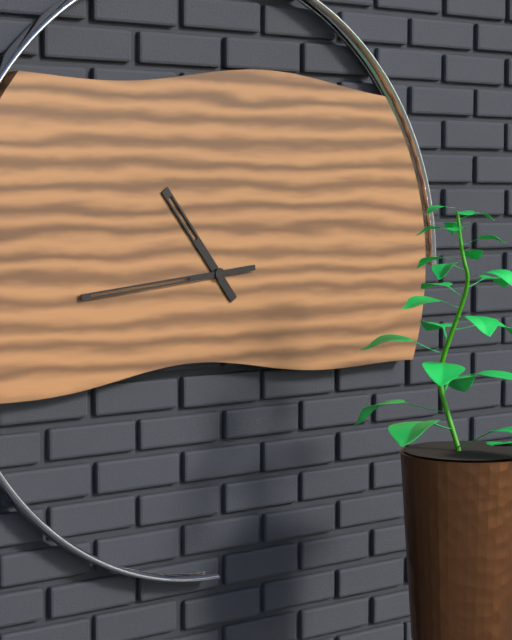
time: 10:44
